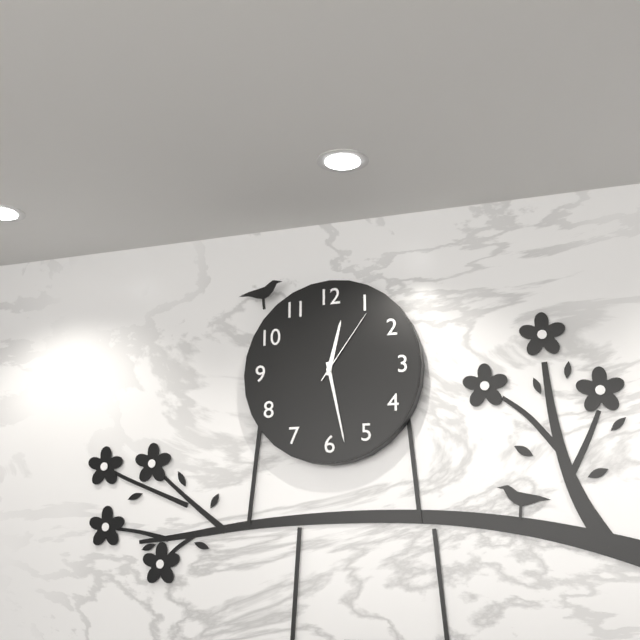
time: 12:28:06
